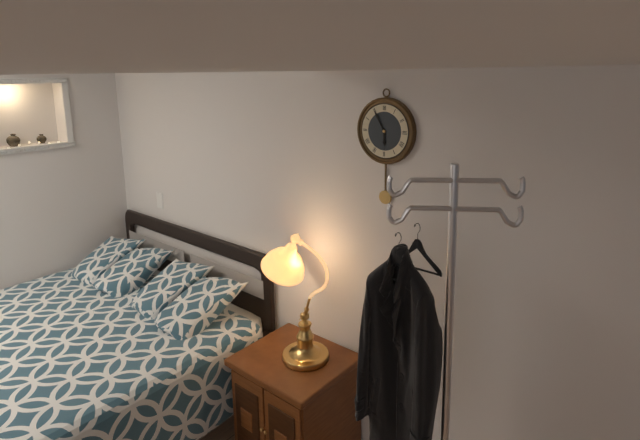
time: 5:55
